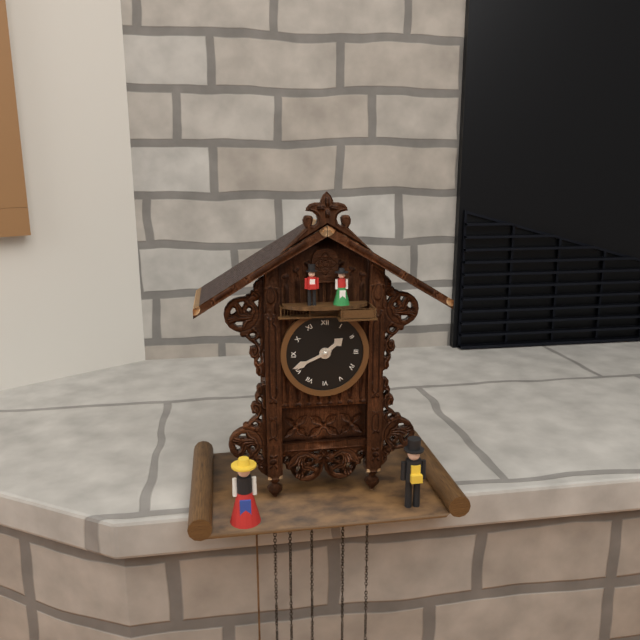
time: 1:41
